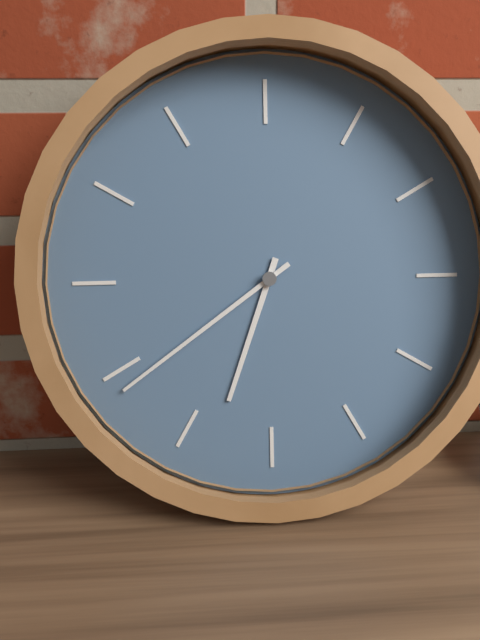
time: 6:39
